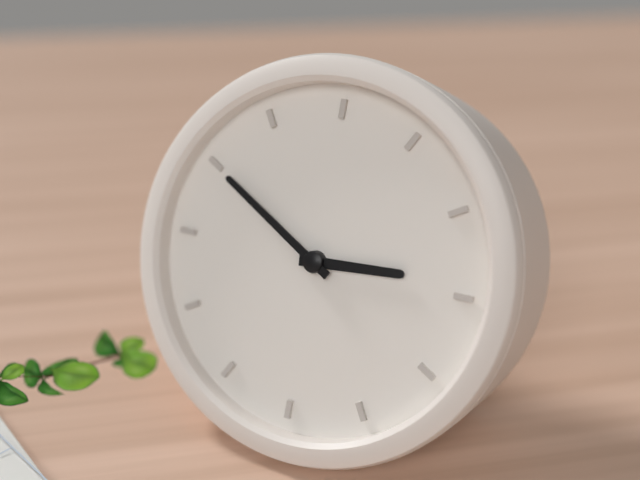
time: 2:50
